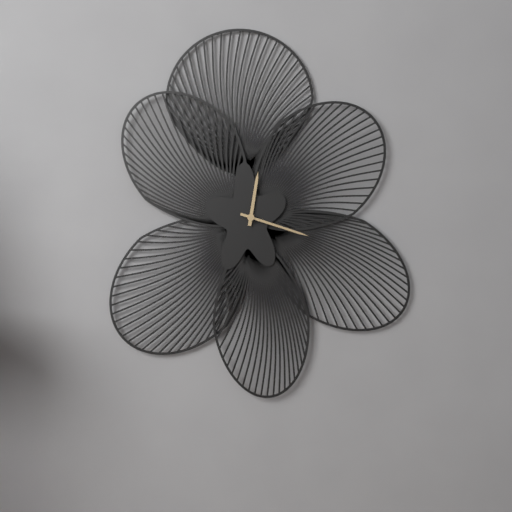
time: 12:18
